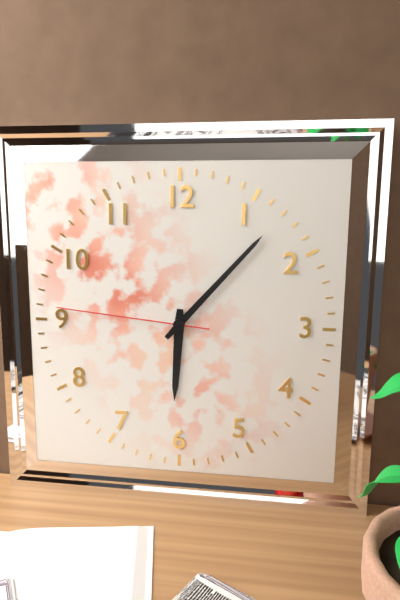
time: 6:07:46
